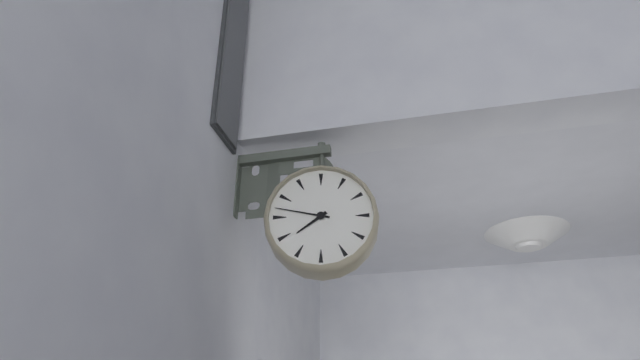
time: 7:47
